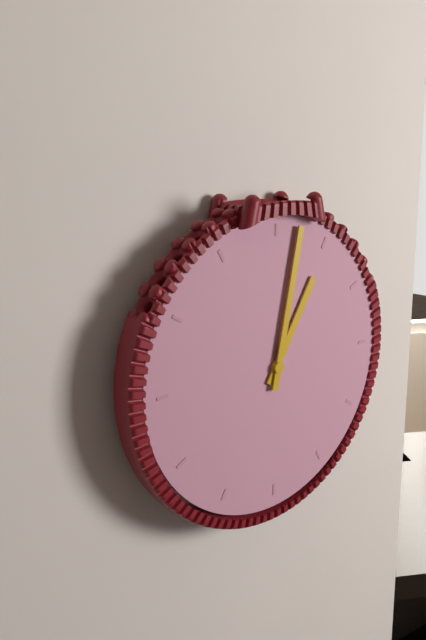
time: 1:02
